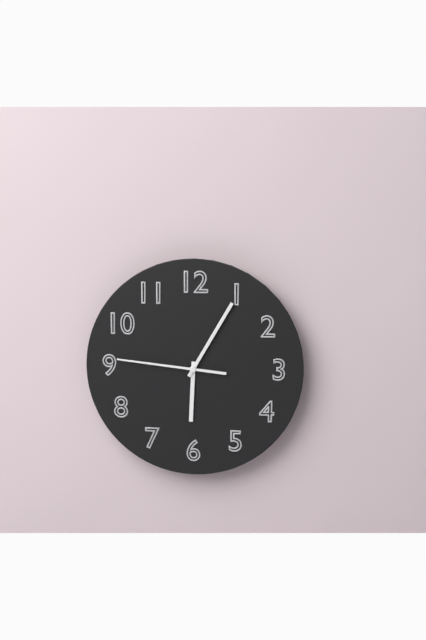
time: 6:05:46
